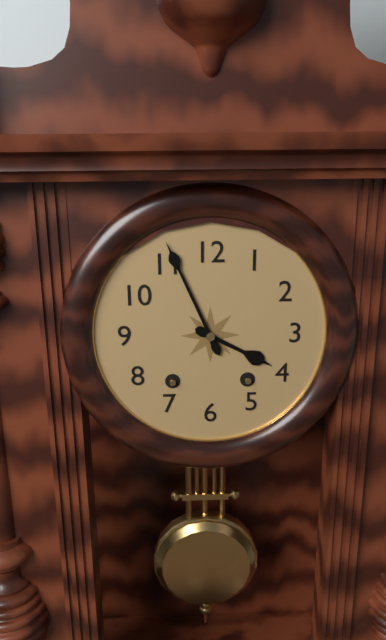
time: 3:56
